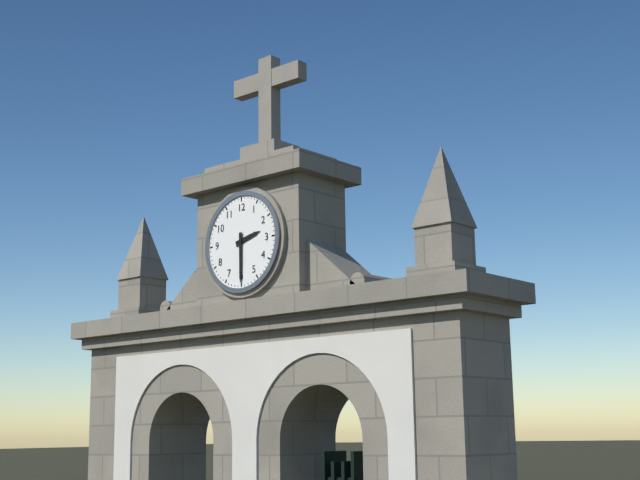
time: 2:30
